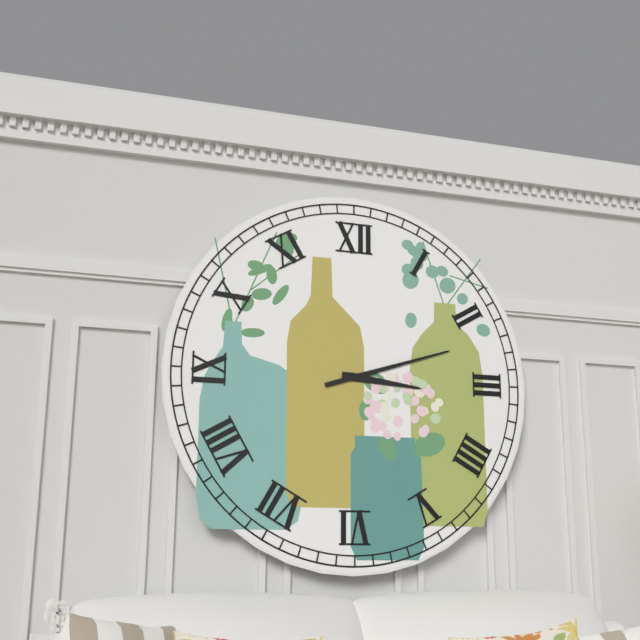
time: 3:12
